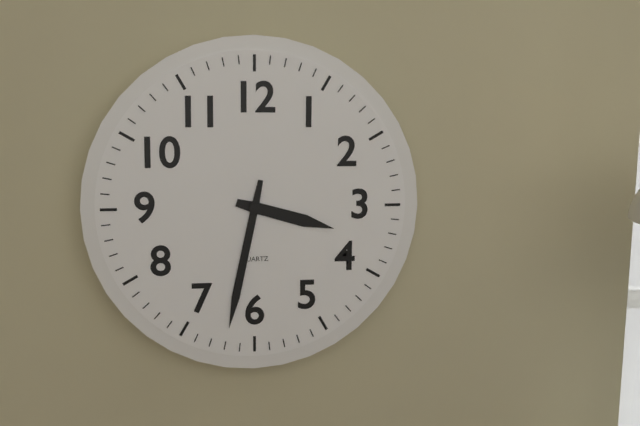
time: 3:32
